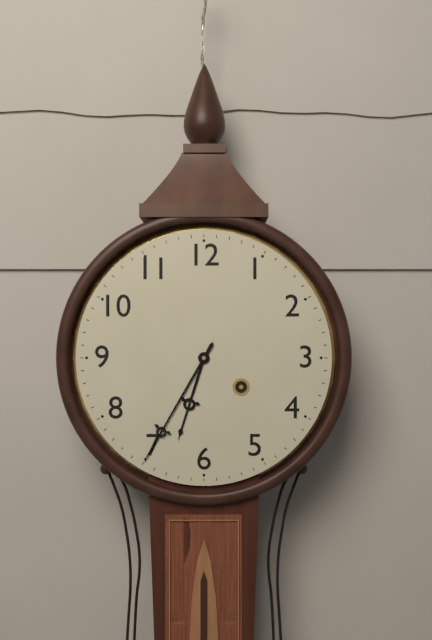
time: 6:35
